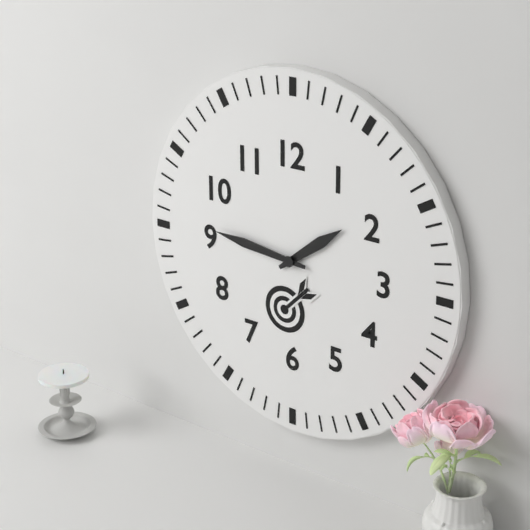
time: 1:46
